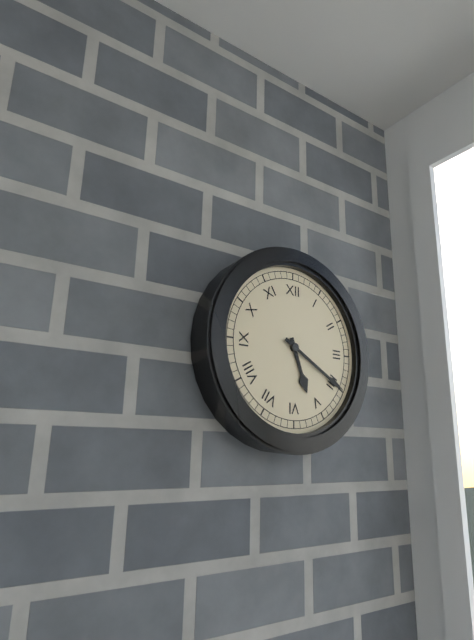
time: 5:20
